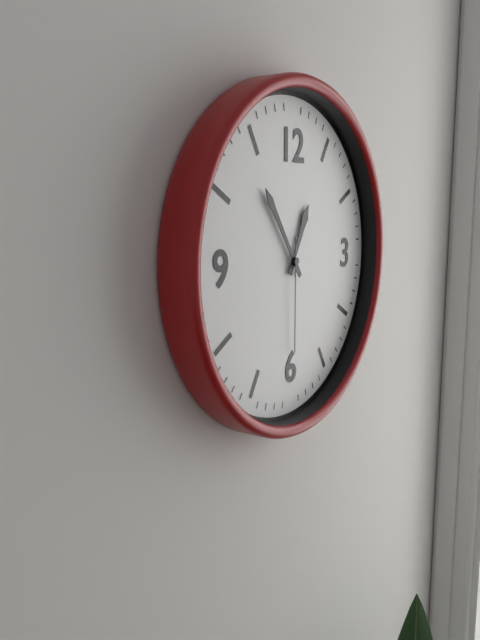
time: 12:54:30
